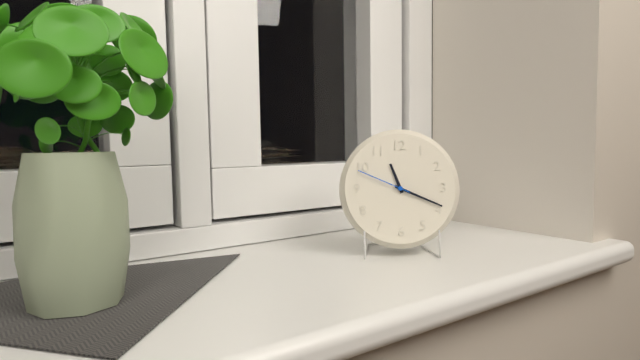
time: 11:19:49
